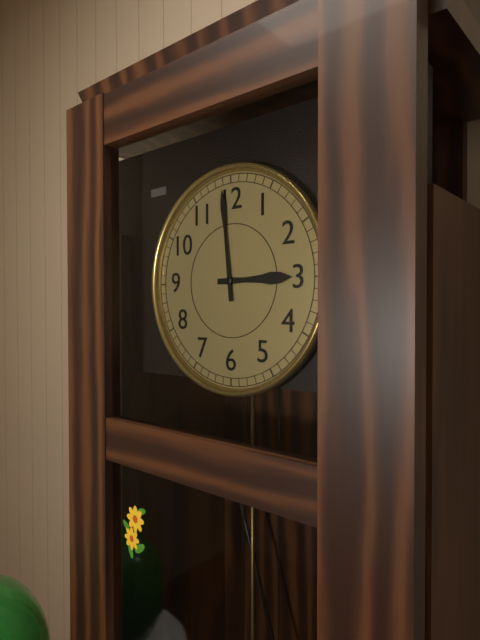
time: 2:59
